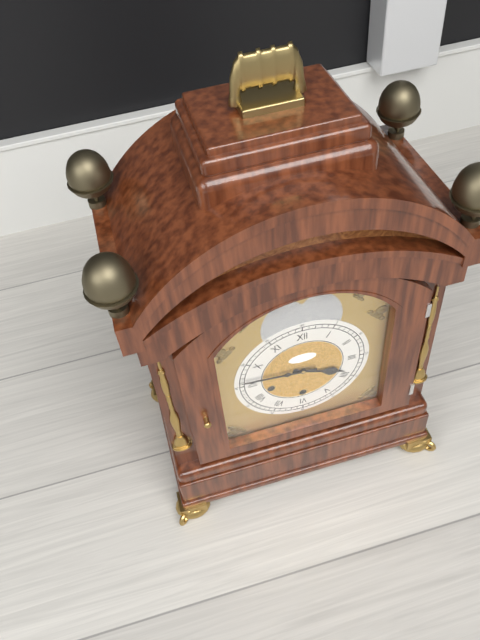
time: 3:46
